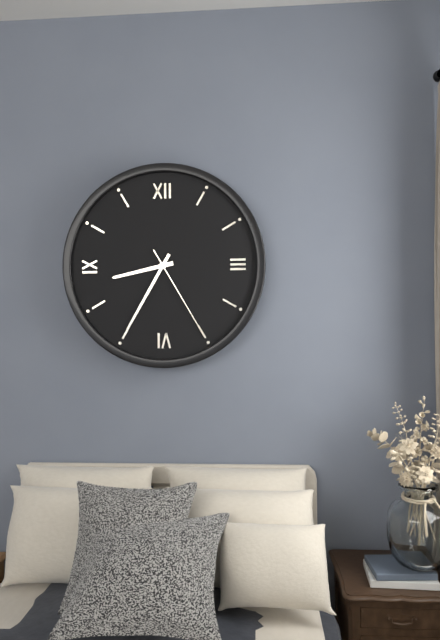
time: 8:35:25
